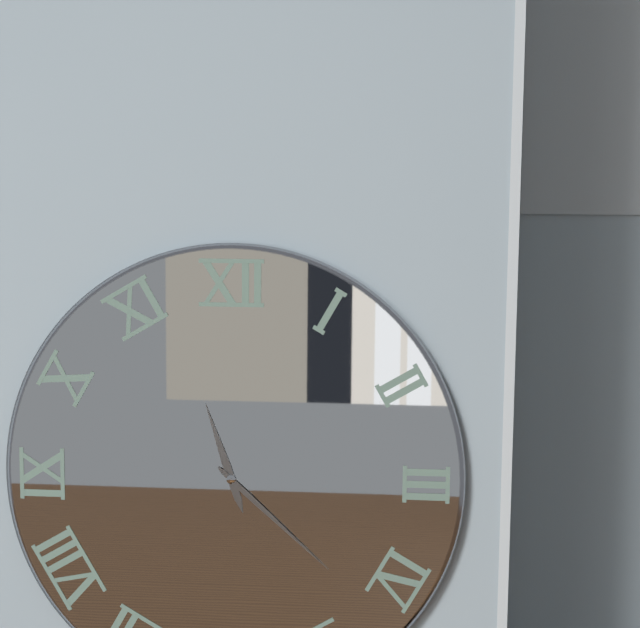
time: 11:22
